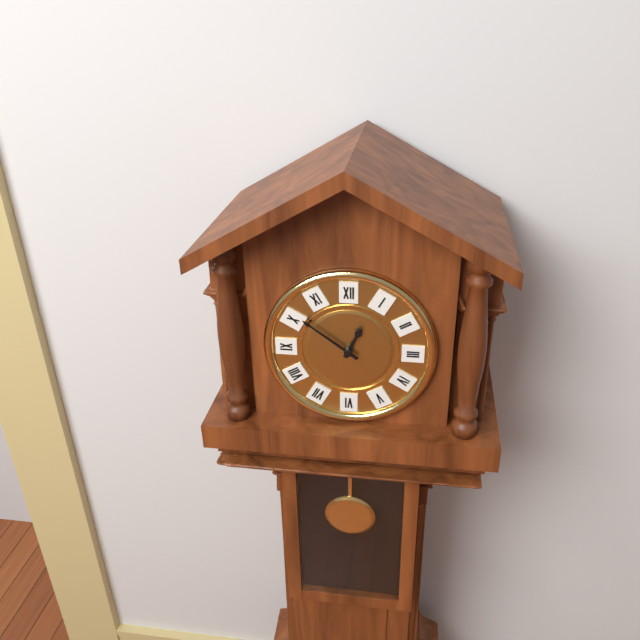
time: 12:51
